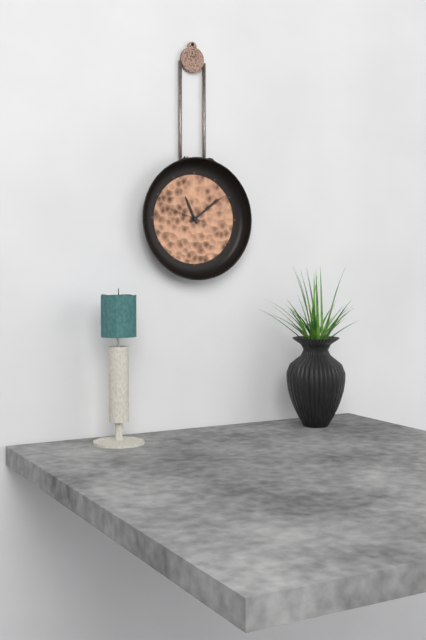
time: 11:09
